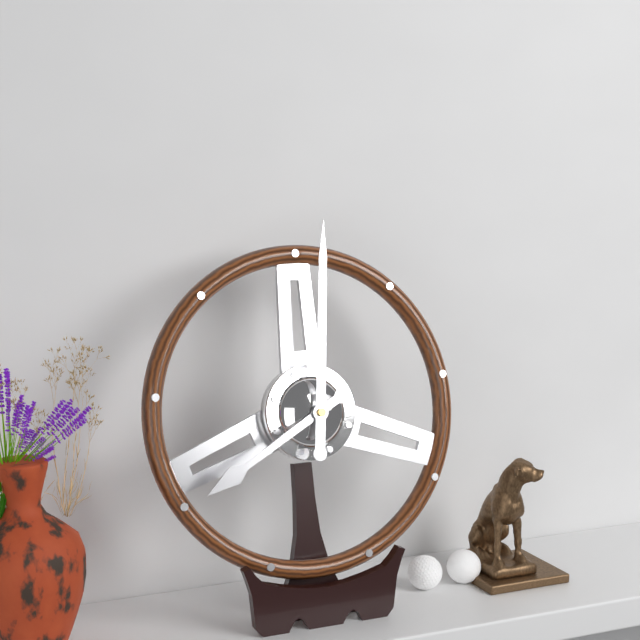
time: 8:01
